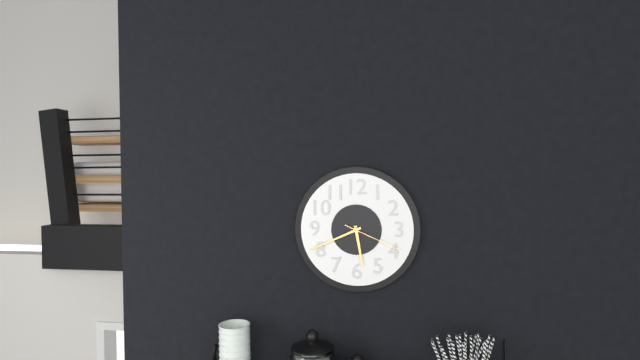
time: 5:41:19
